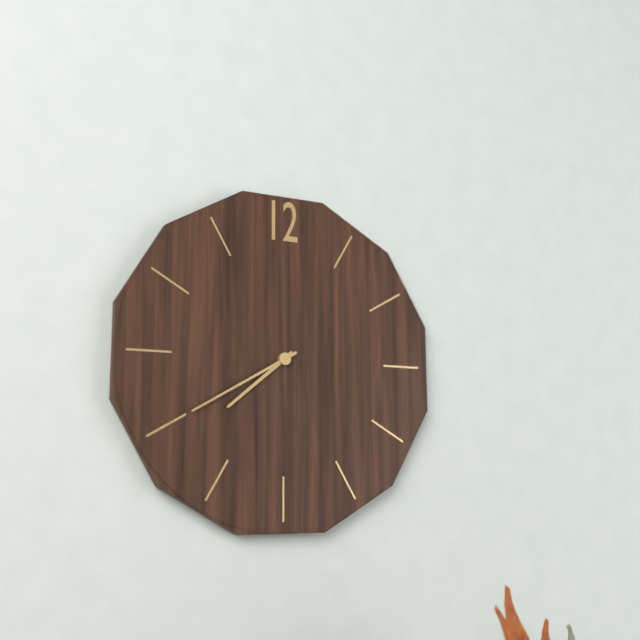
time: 7:40
